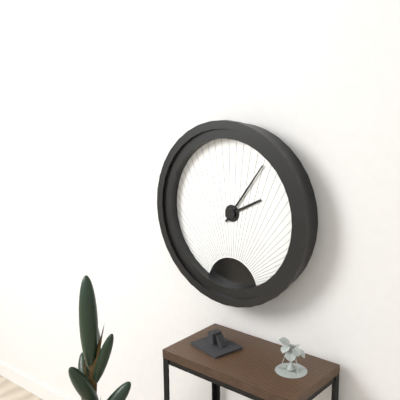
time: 2:06
